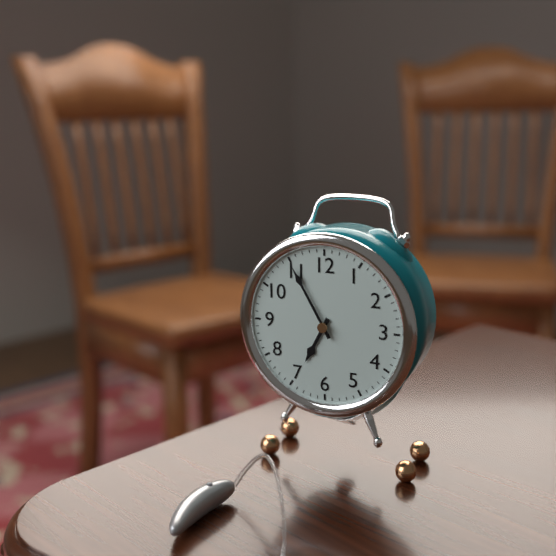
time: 6:55
